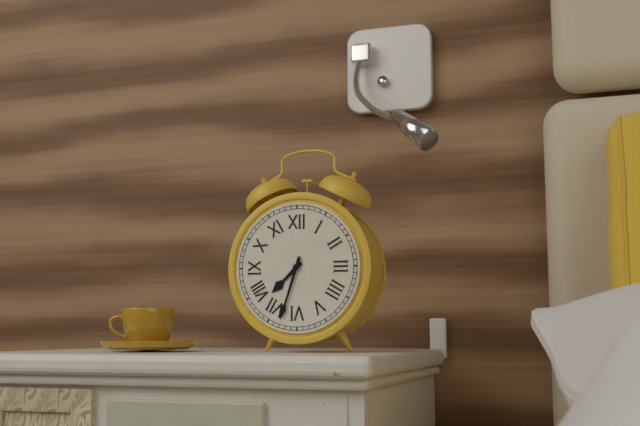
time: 7:33
